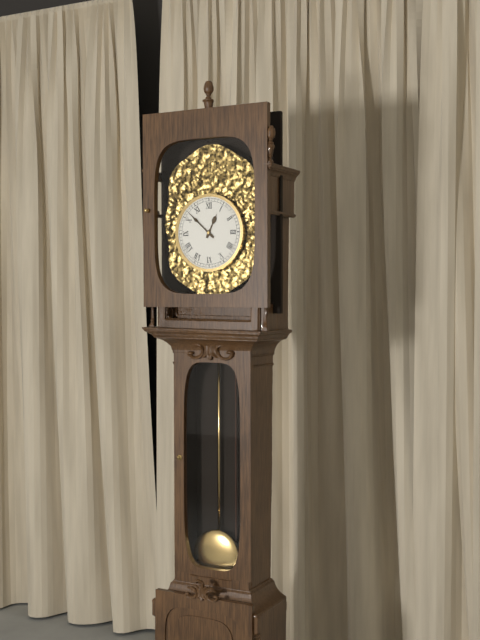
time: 12:52
